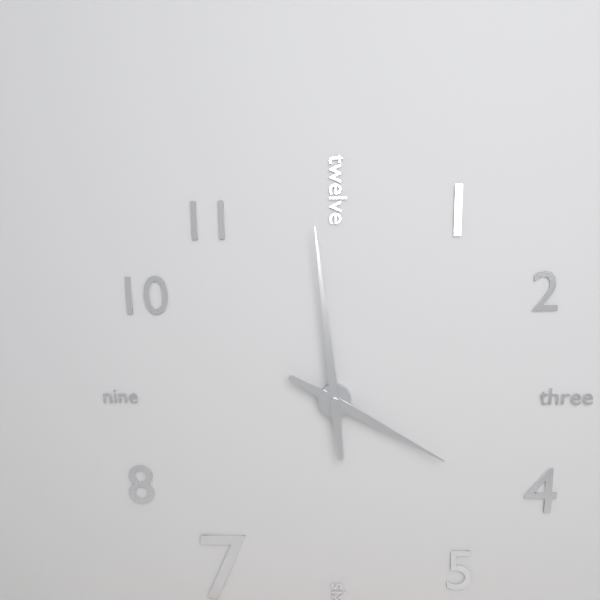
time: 3:59
